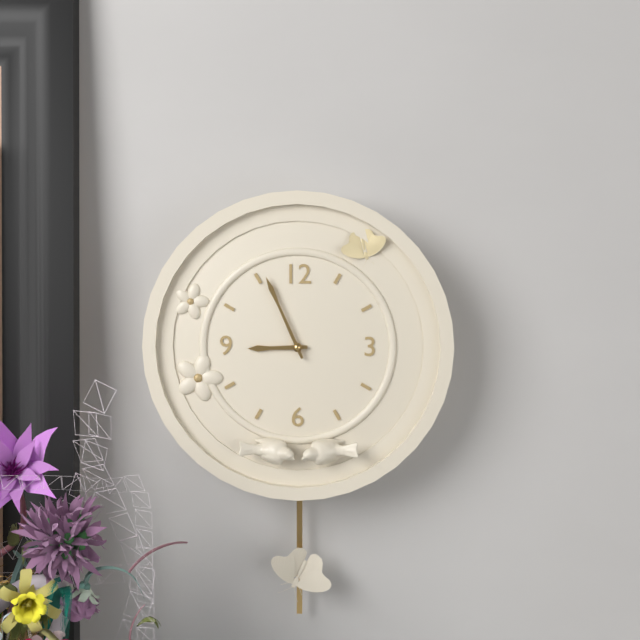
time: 8:56
